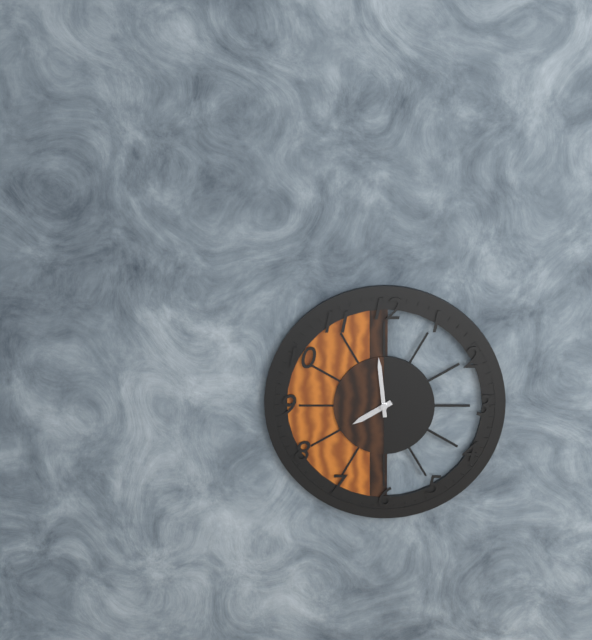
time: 7:59
